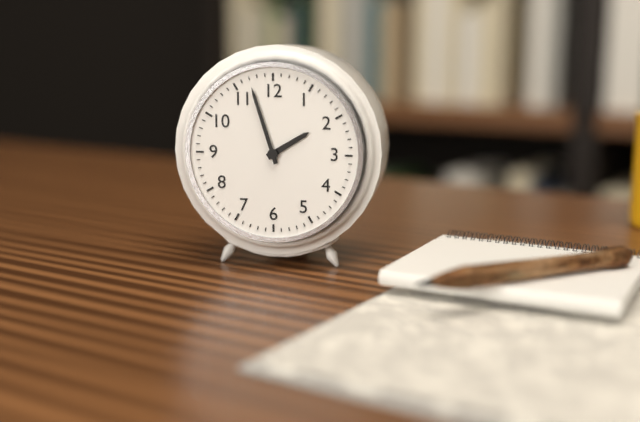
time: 1:57
